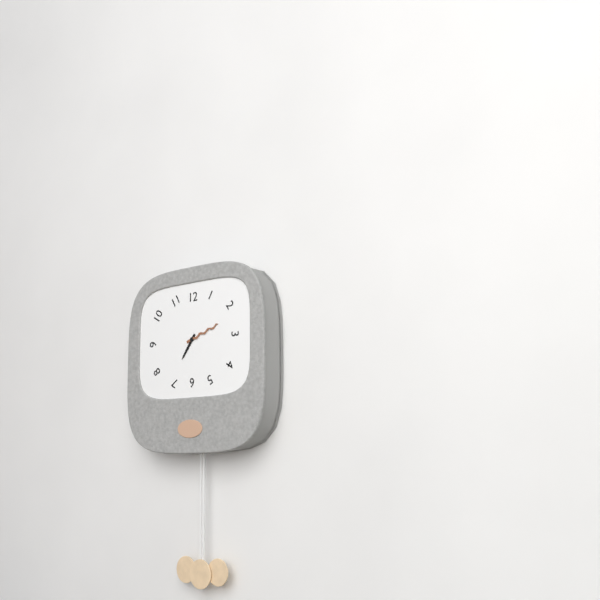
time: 7:12
